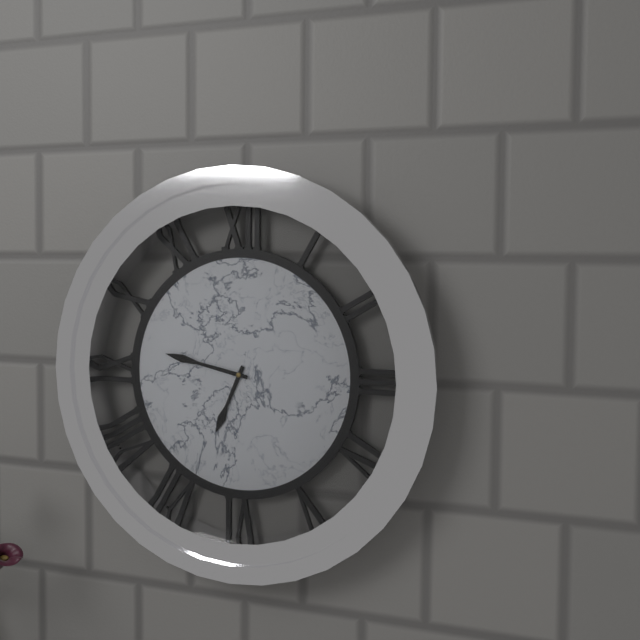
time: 6:47
